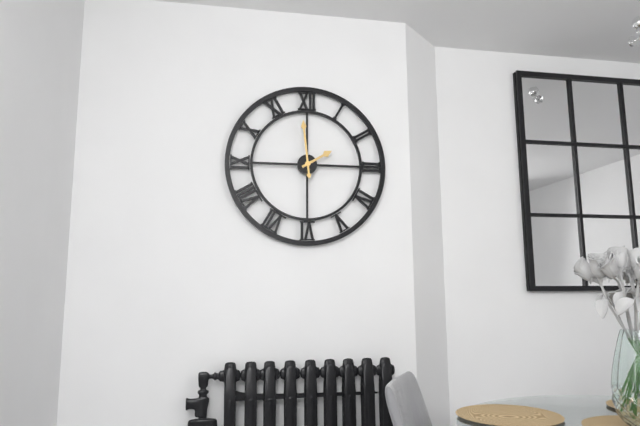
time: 1:59
